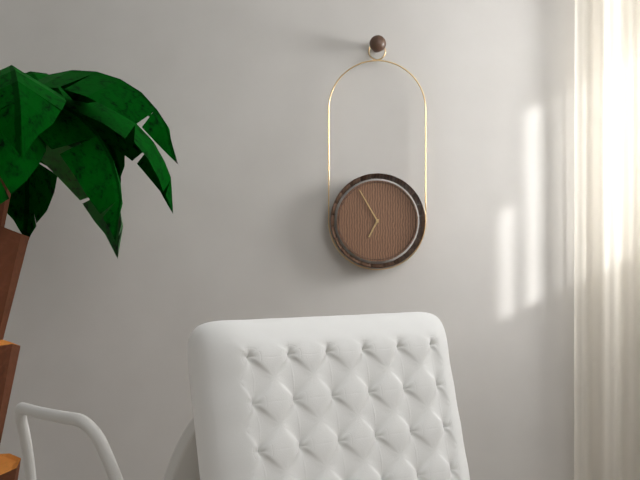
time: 6:55
